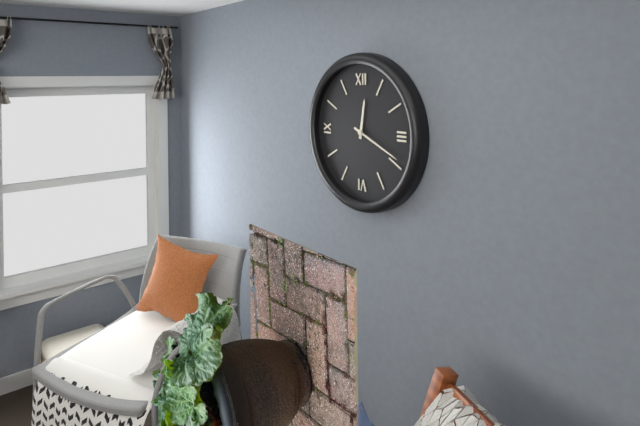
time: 12:19
